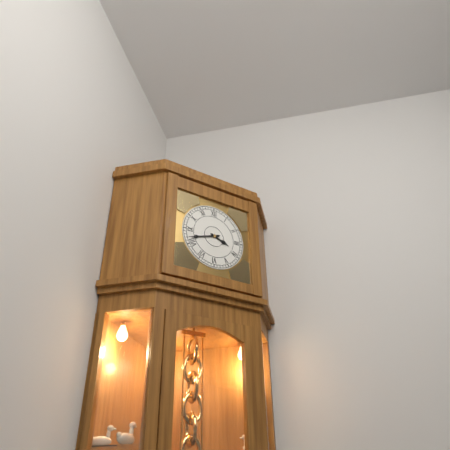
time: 3:42
